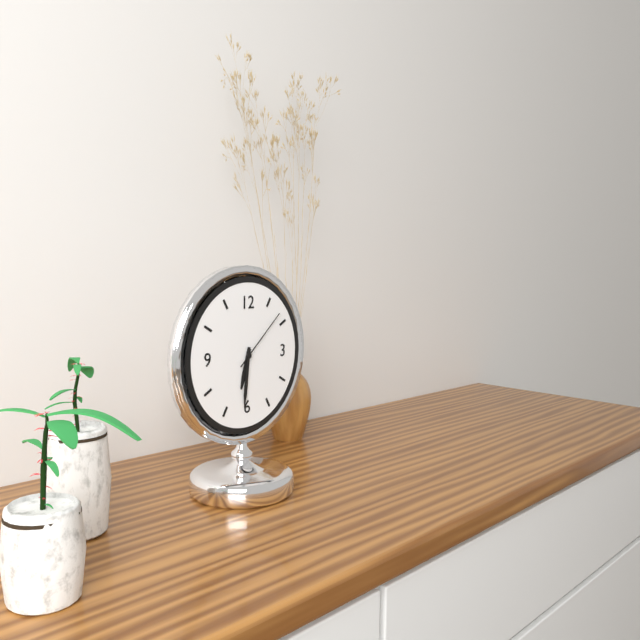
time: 6:31:08
